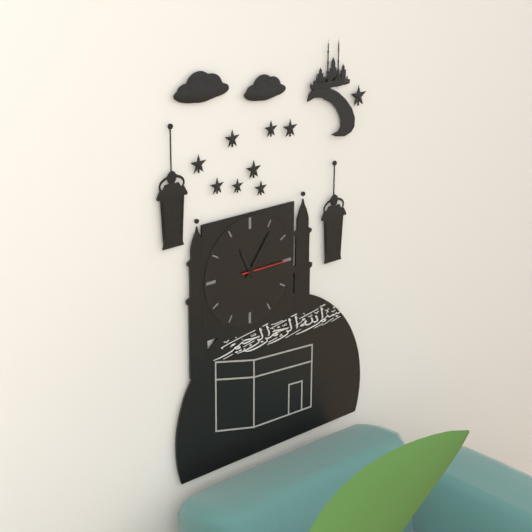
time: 11:06:15
